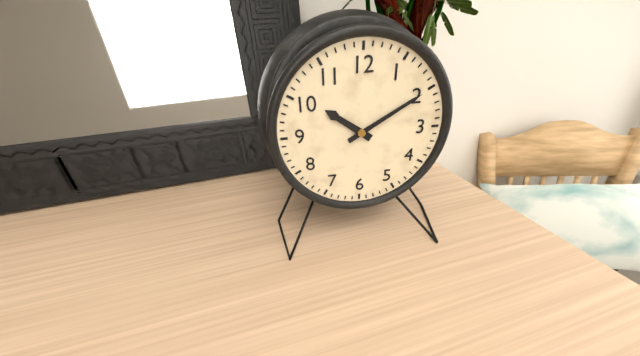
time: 10:10
